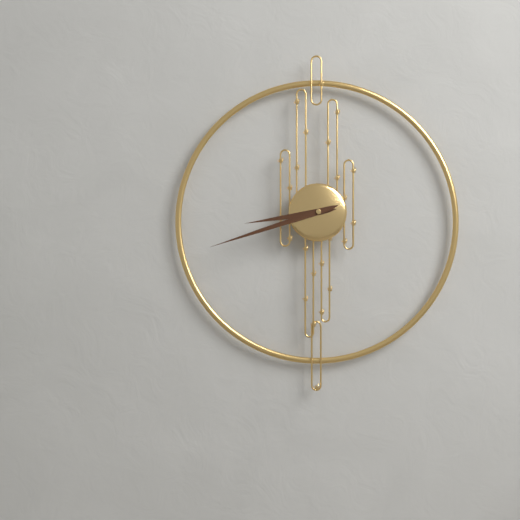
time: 8:42
